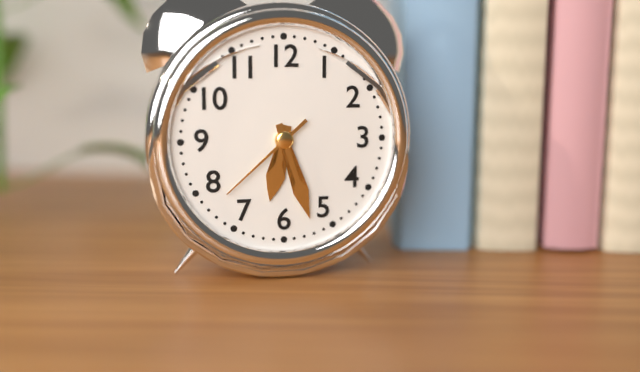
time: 6:27:38
